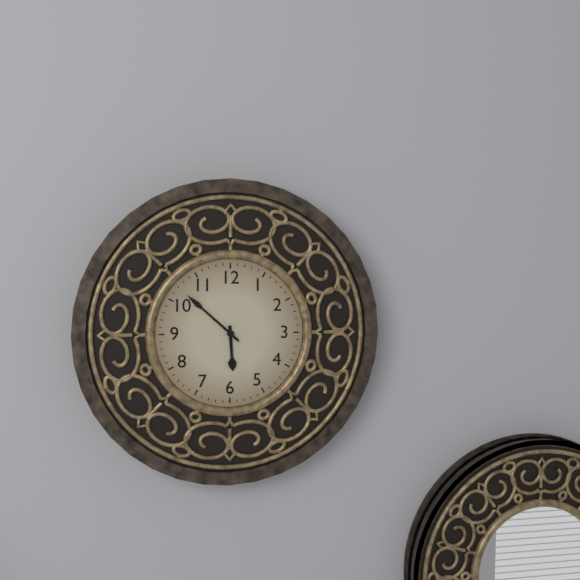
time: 5:52
